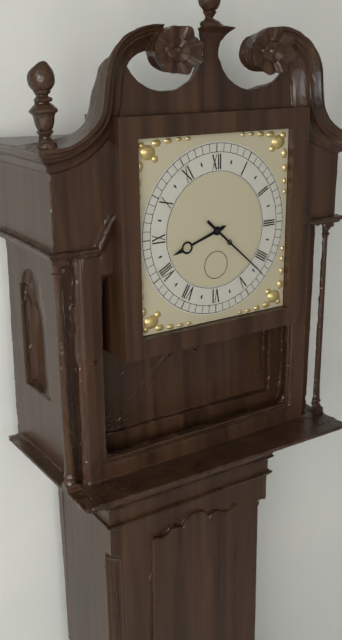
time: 8:22
